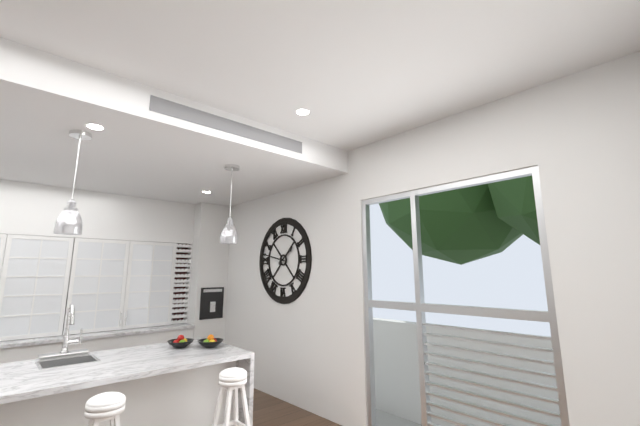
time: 1:47
